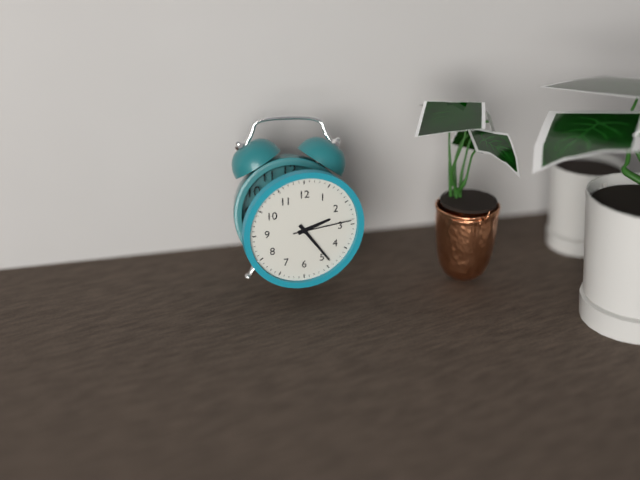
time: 2:24:14
